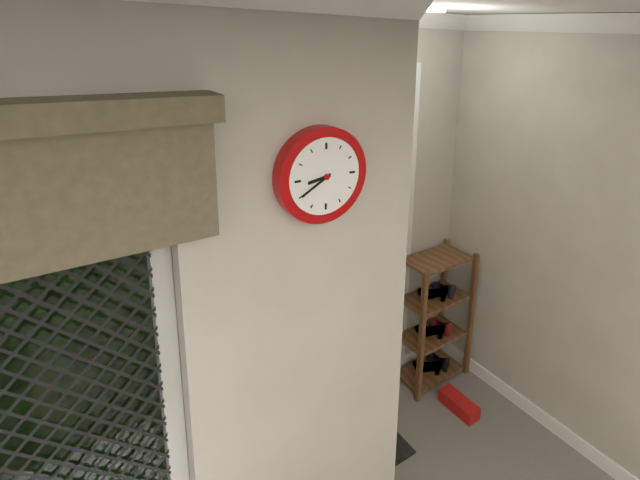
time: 8:40
